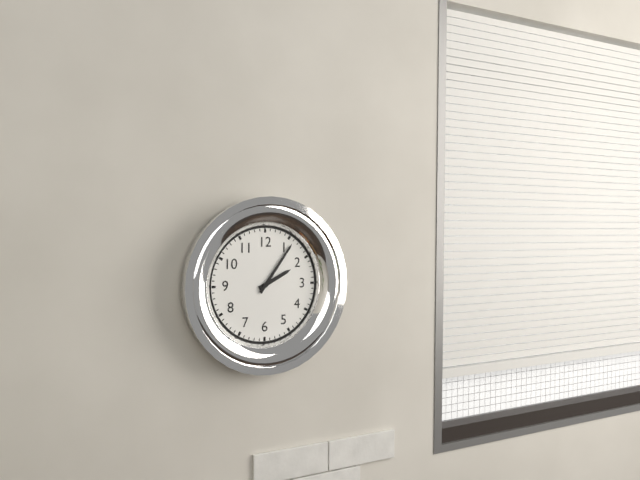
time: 2:06
